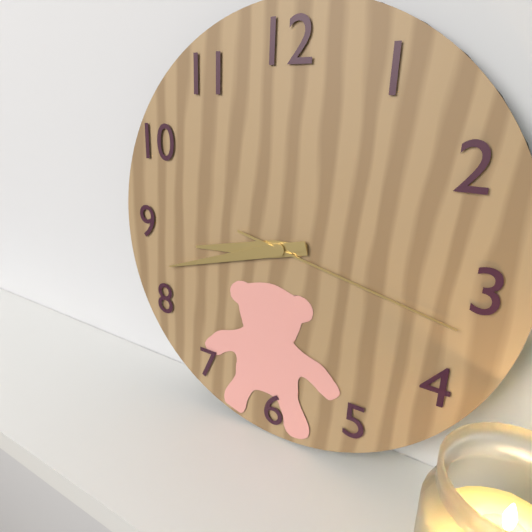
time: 8:42:17
